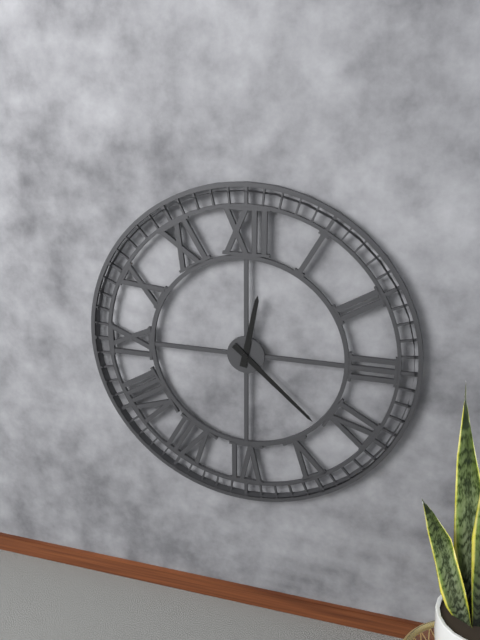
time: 12:22
